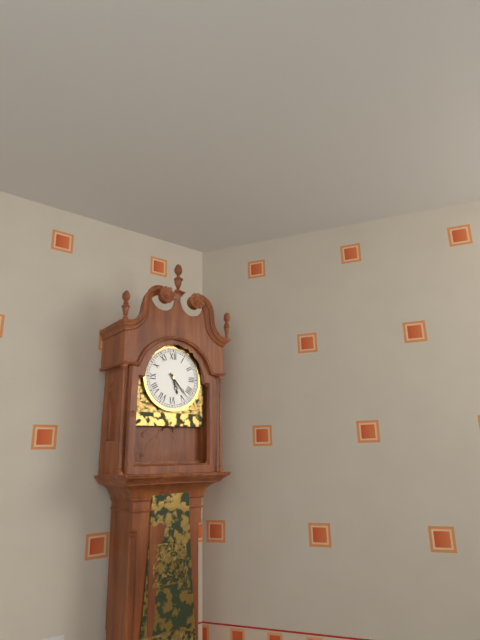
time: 5:23
